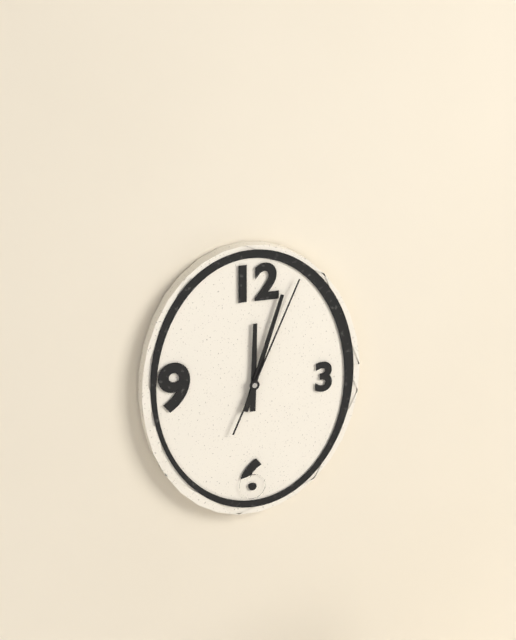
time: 12:03:04
